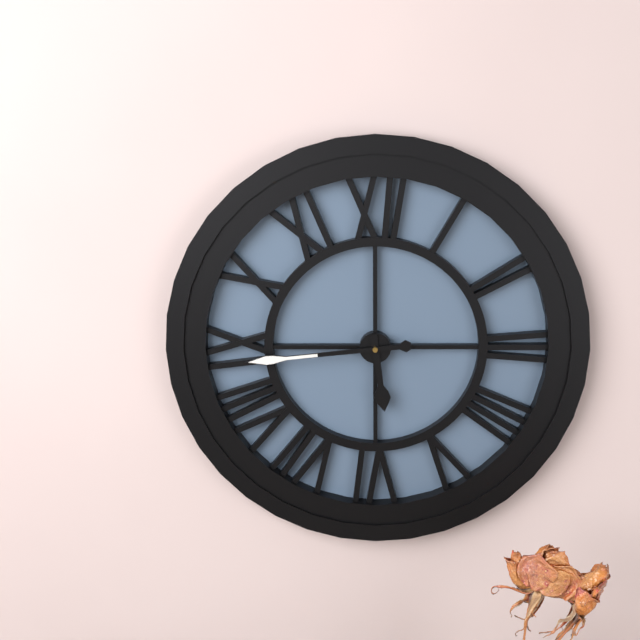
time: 5:44
